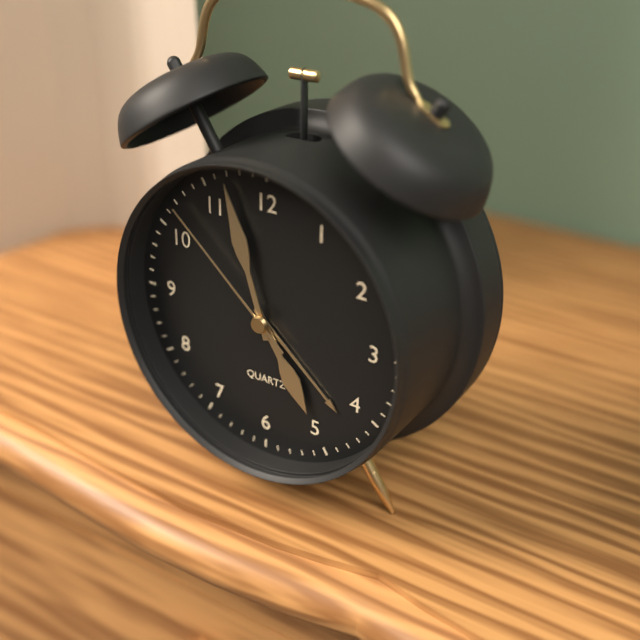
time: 4:57:52
